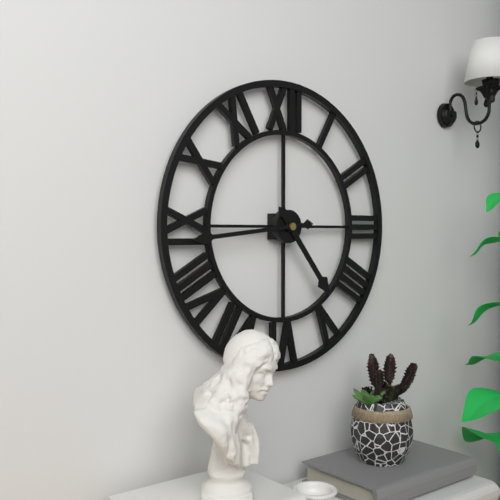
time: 4:44
